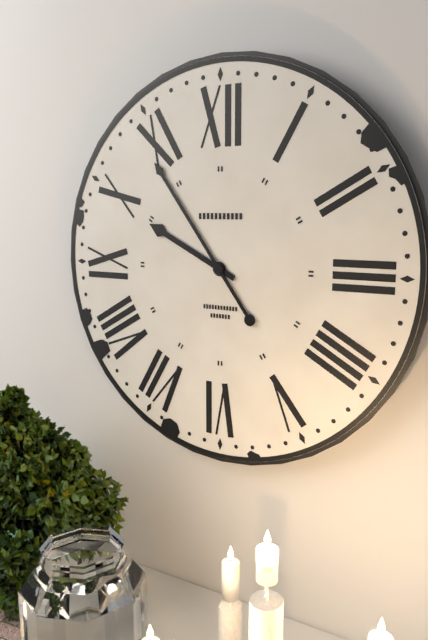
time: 9:54
